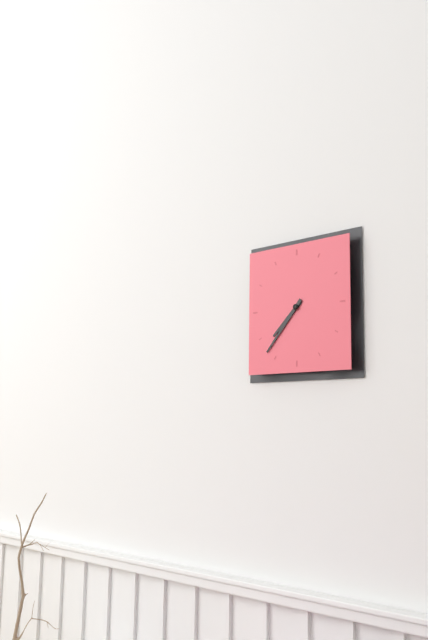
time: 7:37
